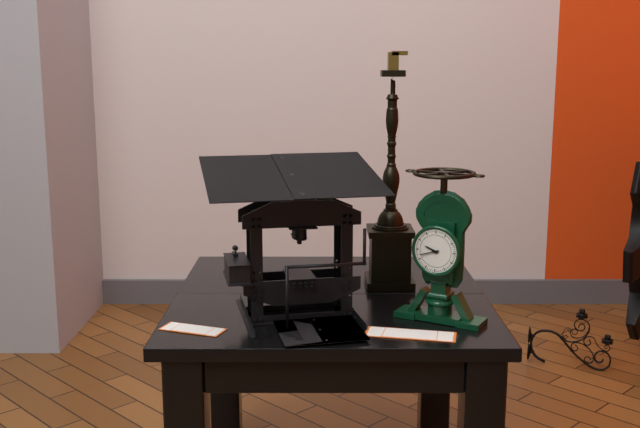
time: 9:42
